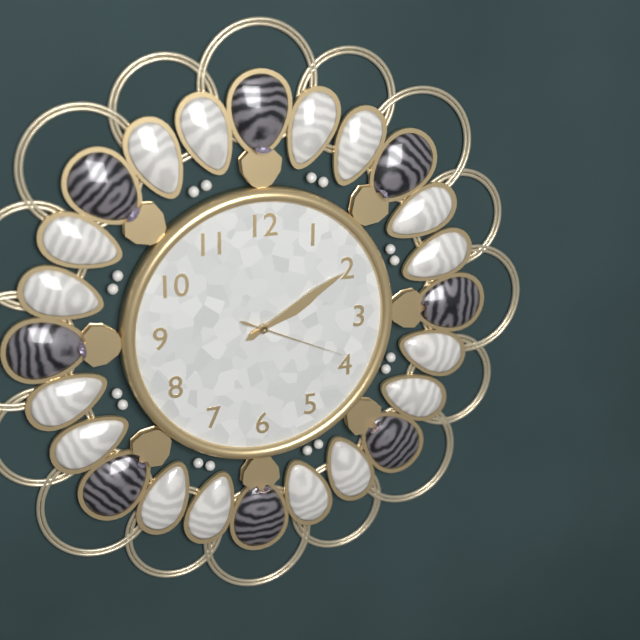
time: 2:10:19
